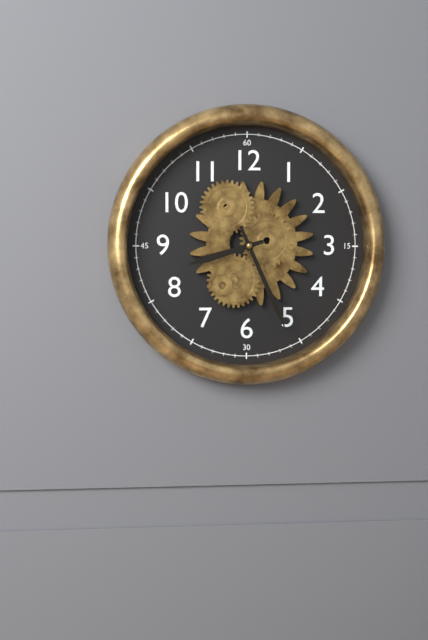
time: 8:26
